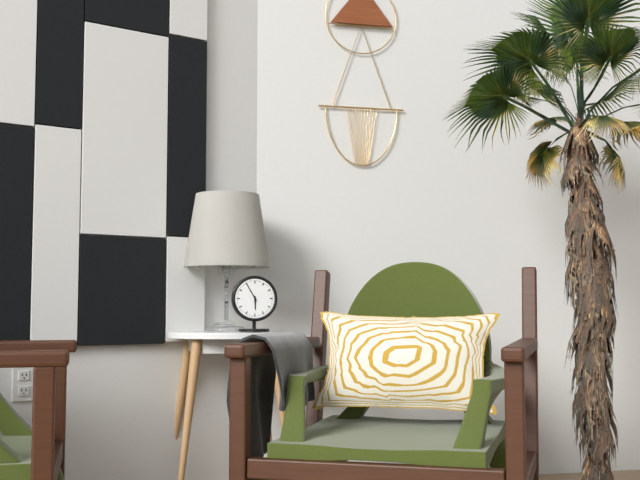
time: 5:55
